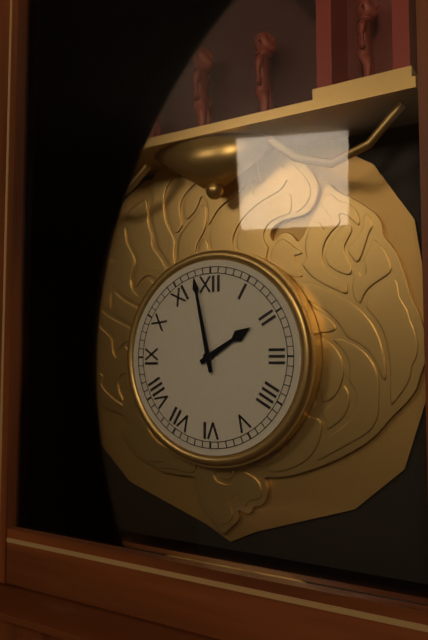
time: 1:58
